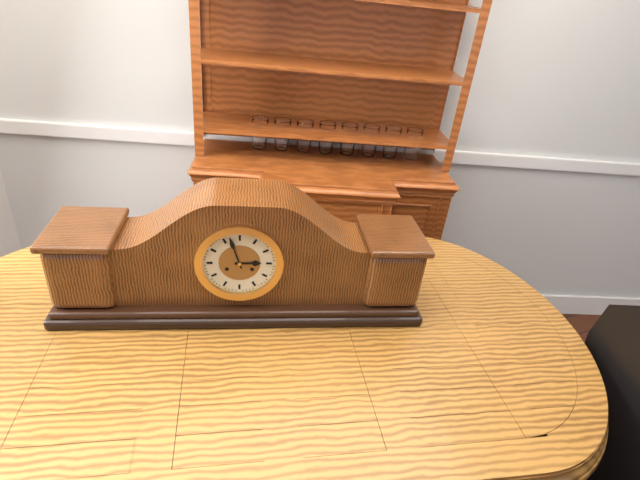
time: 2:57
